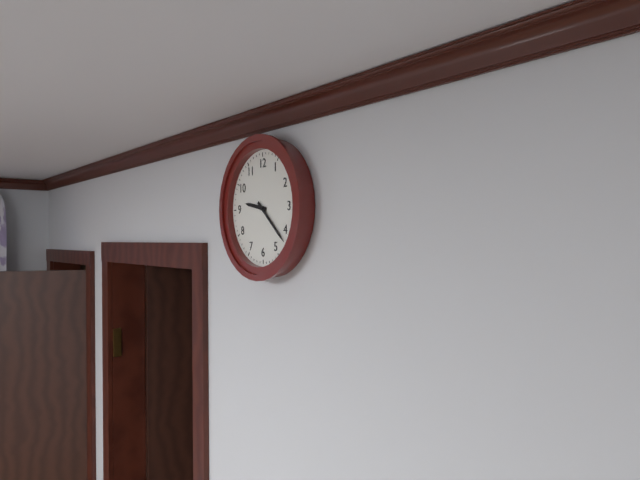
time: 9:22
